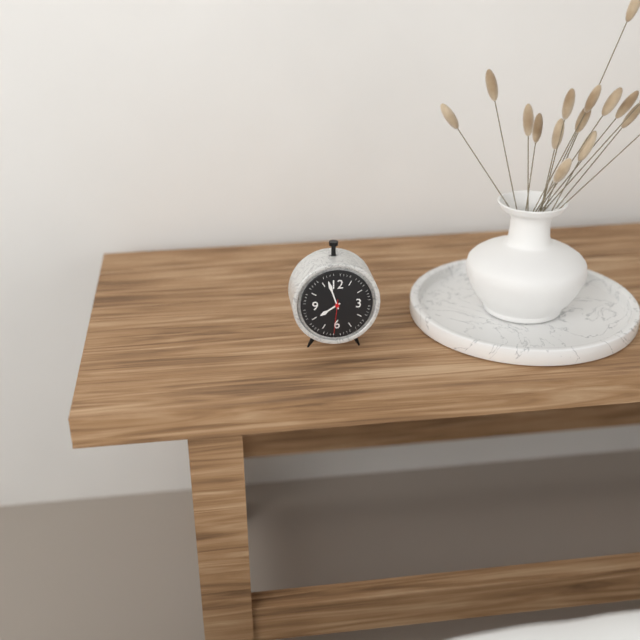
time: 7:57
